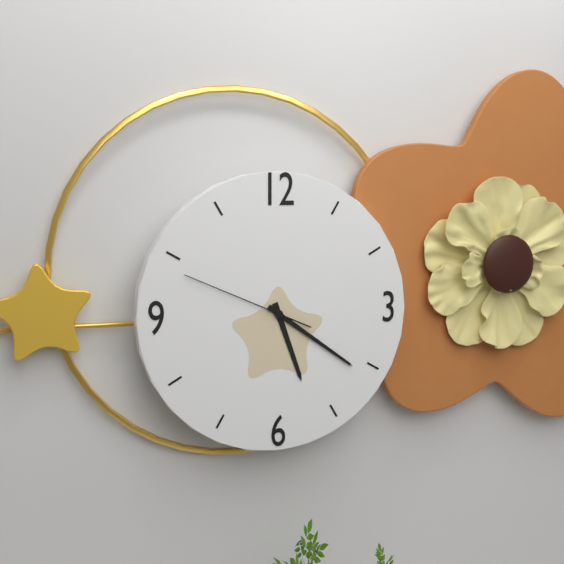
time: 5:21:49
